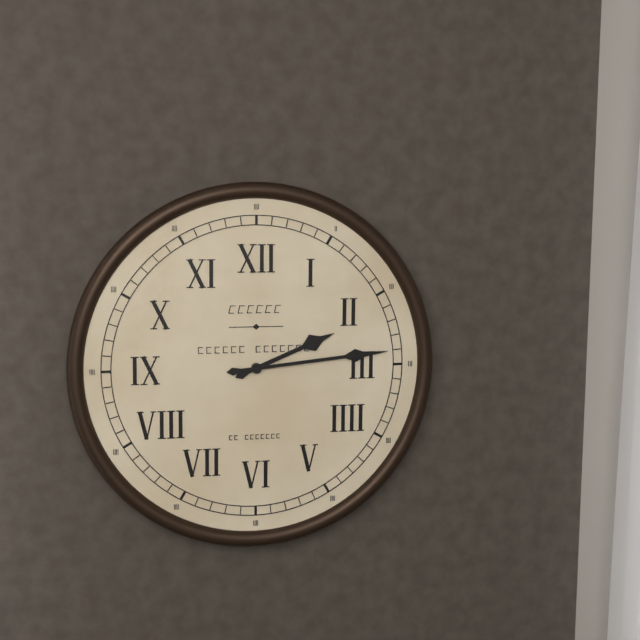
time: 2:14
